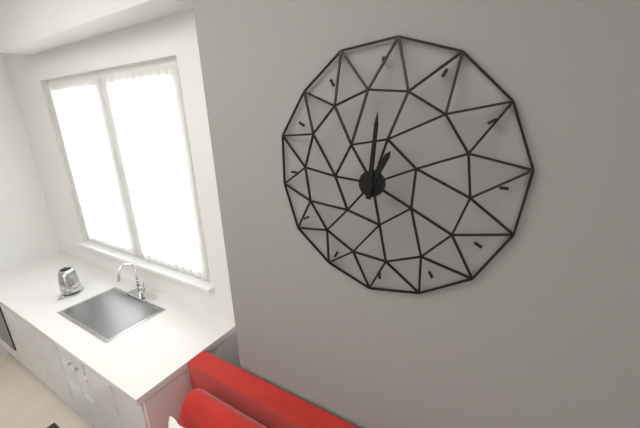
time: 1:01
